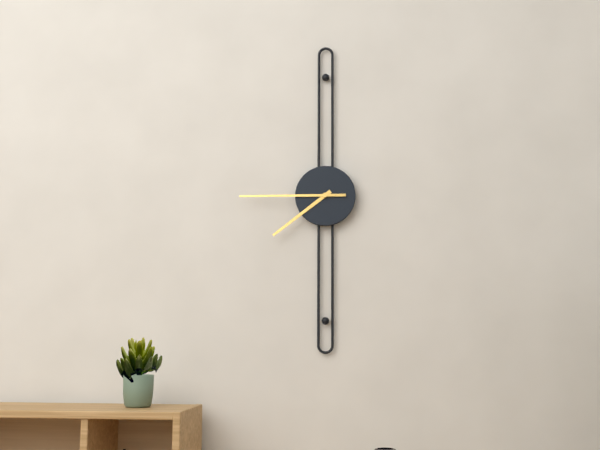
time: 7:45
